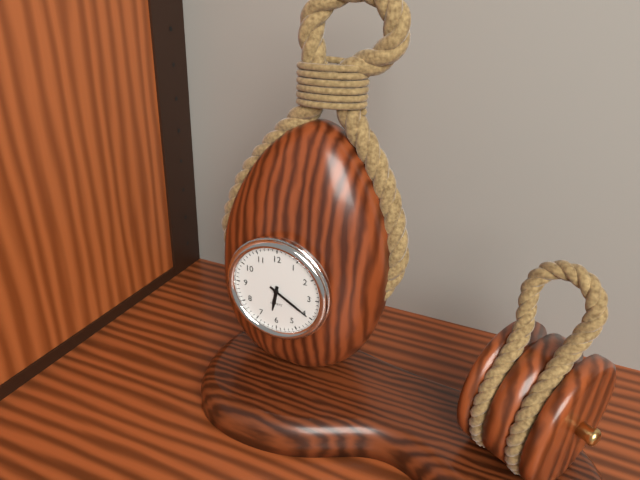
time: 6:20
